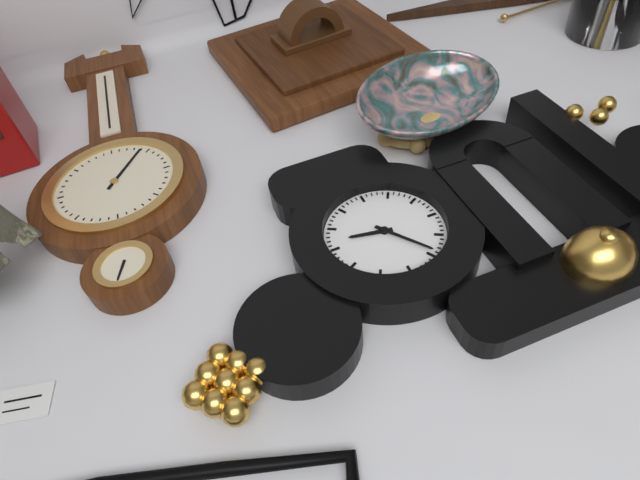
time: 9:24
